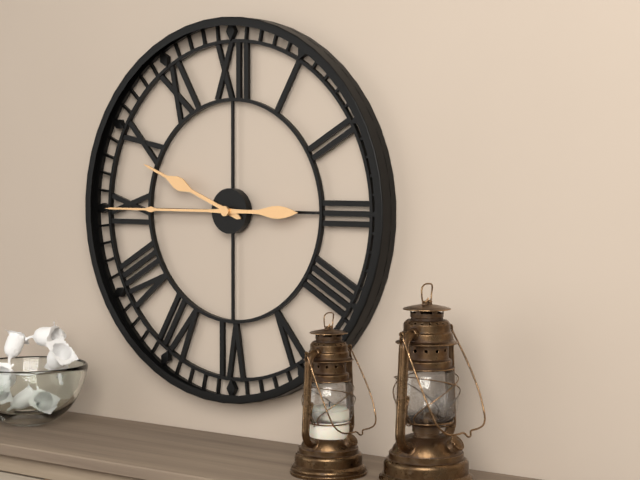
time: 9:45
